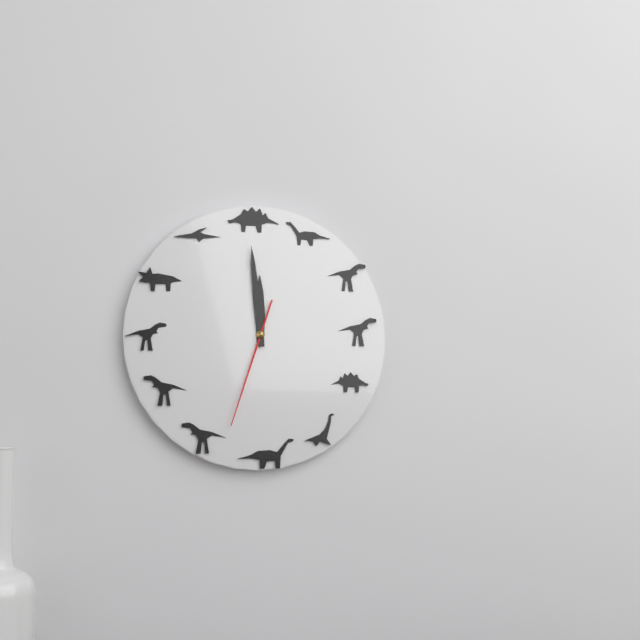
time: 11:59:33
